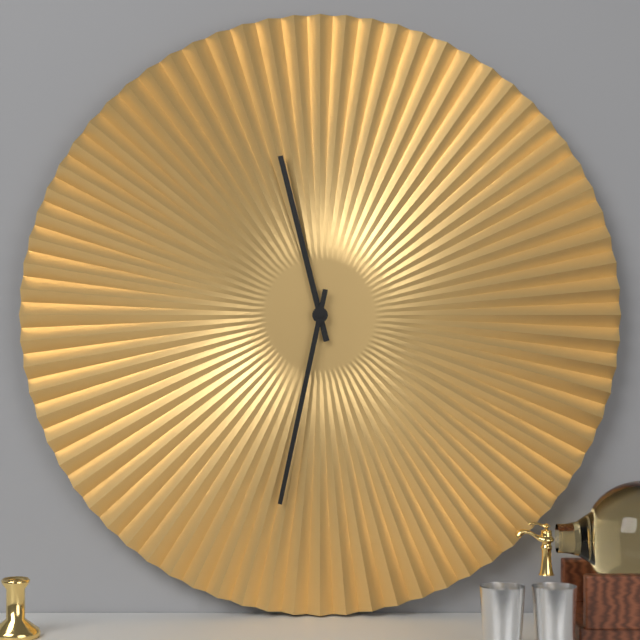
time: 11:32
